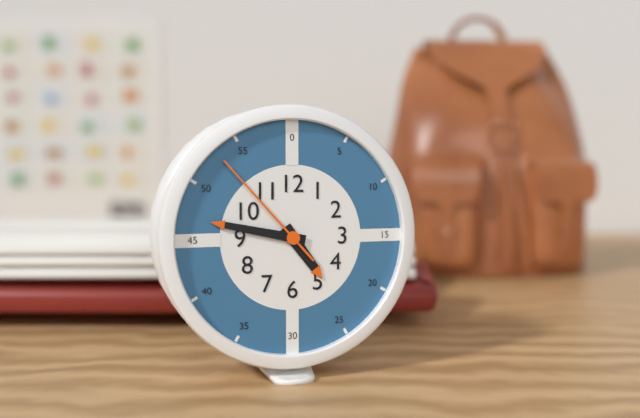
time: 4:47:53
